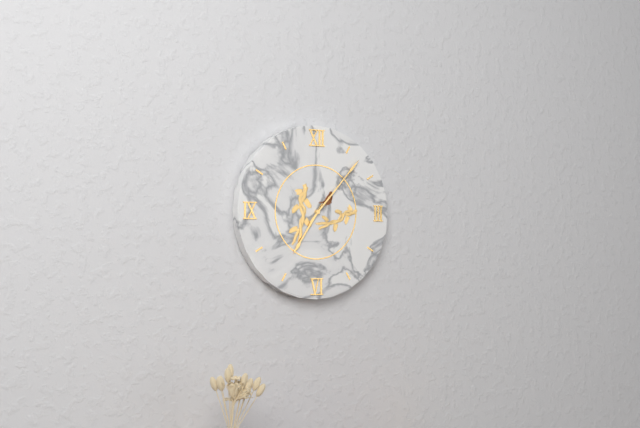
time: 7:07
